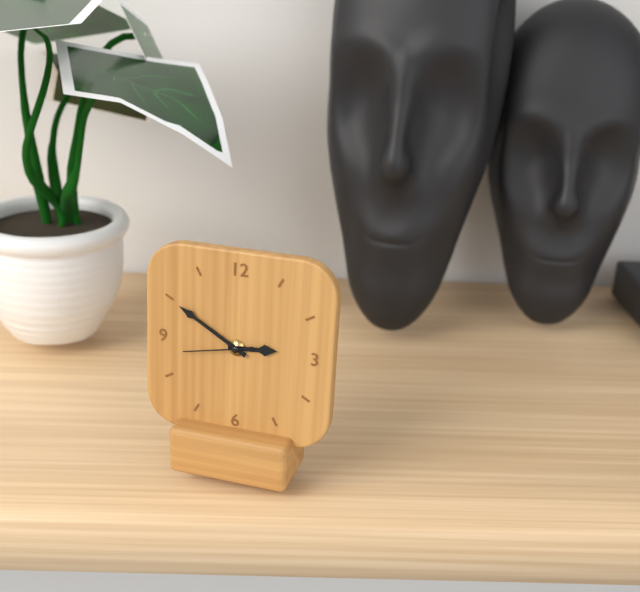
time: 2:50:43
